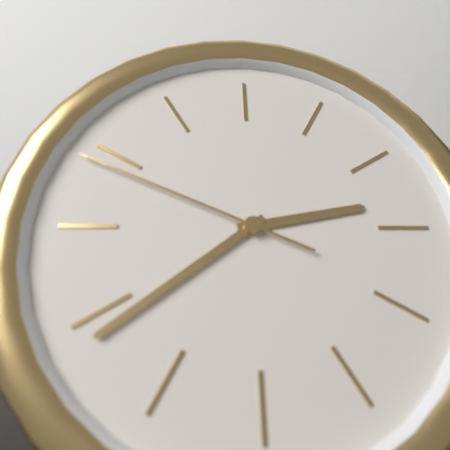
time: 2:39:49
